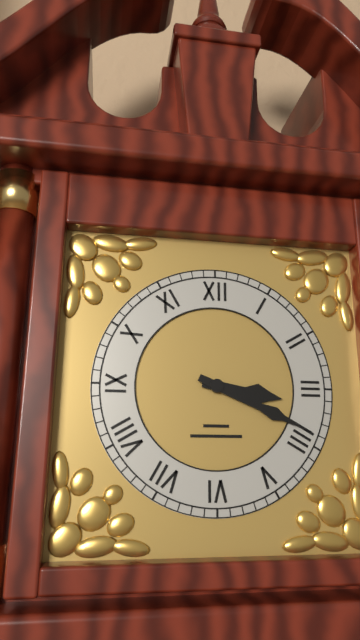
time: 3:19
